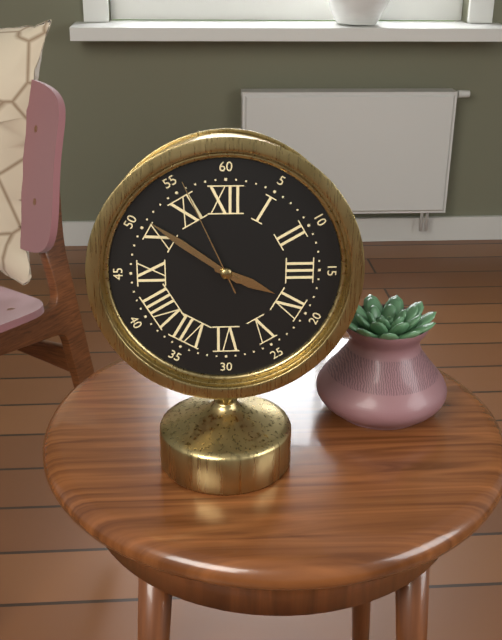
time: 3:51:56
